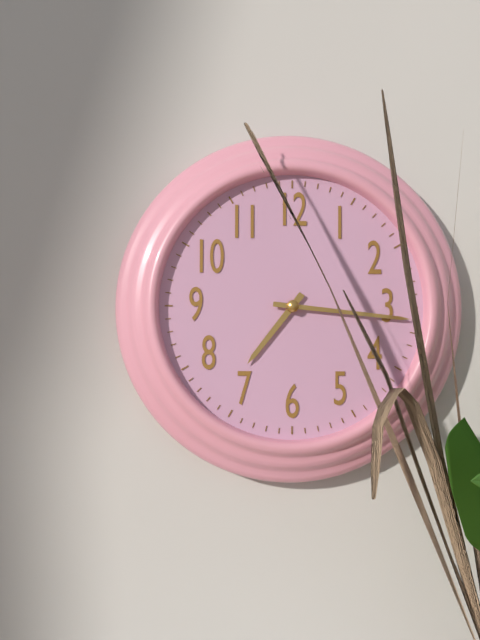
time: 7:16
